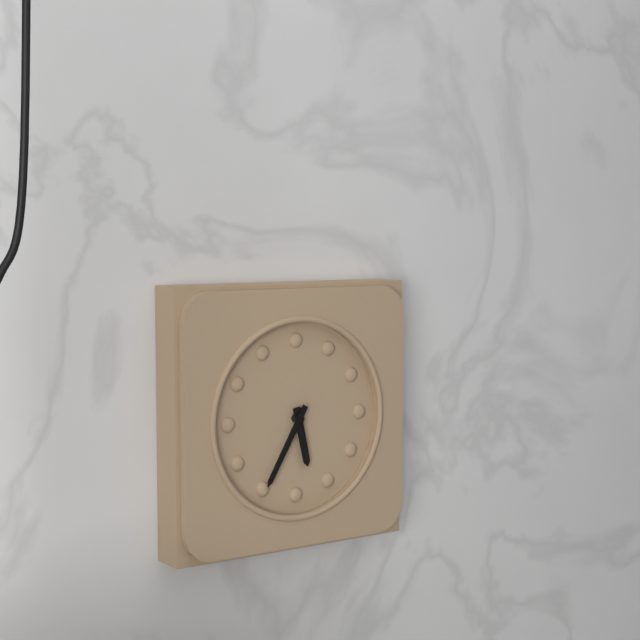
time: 5:35
